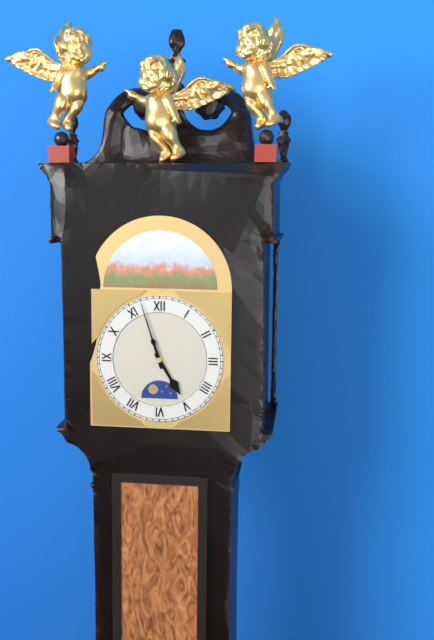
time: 4:57
